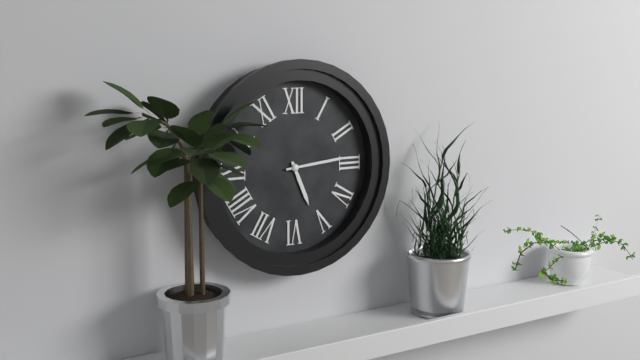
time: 5:14
